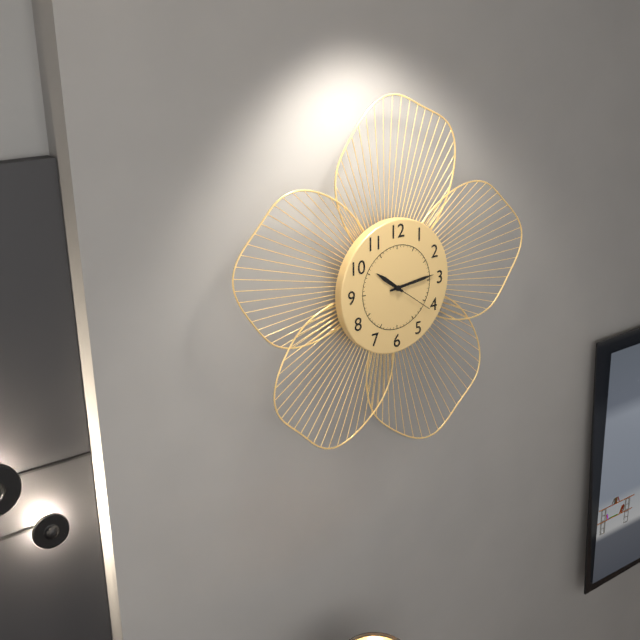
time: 10:14
